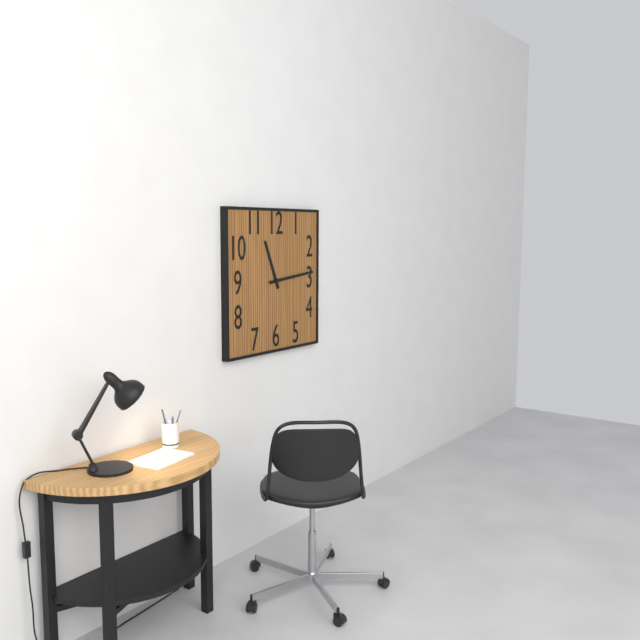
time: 11:14
